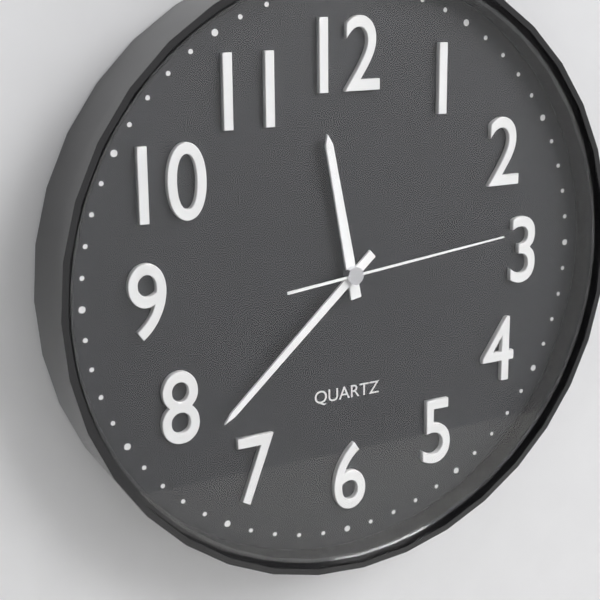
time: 11:38:14
